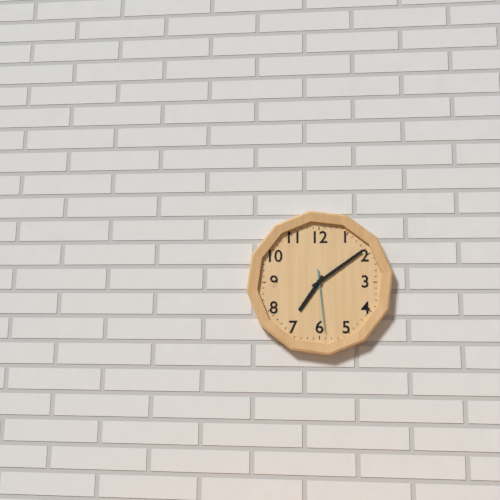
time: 7:09:29
